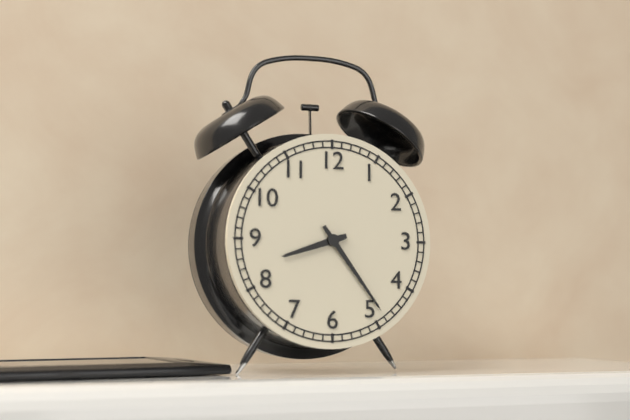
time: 8:24
